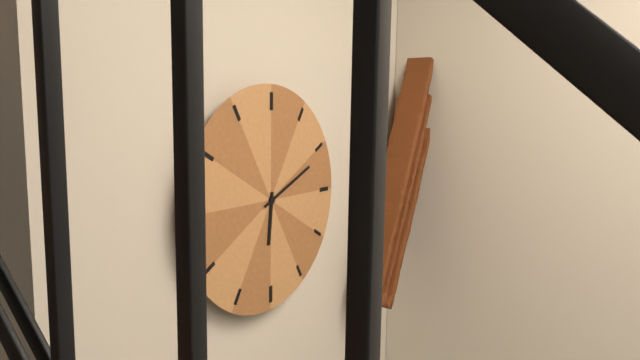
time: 6:11
